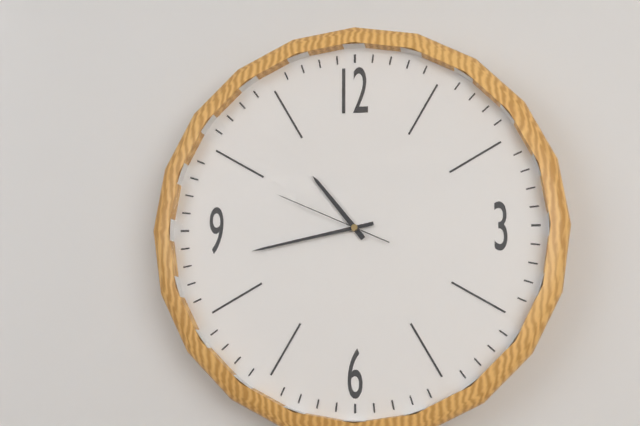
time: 10:43:49
